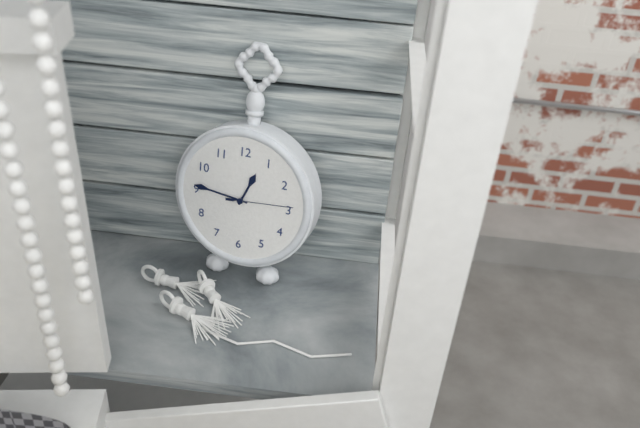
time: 12:46:14
